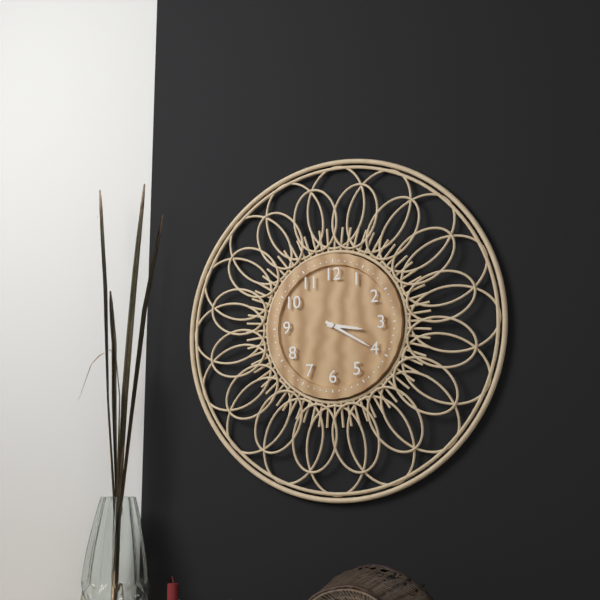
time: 3:20
